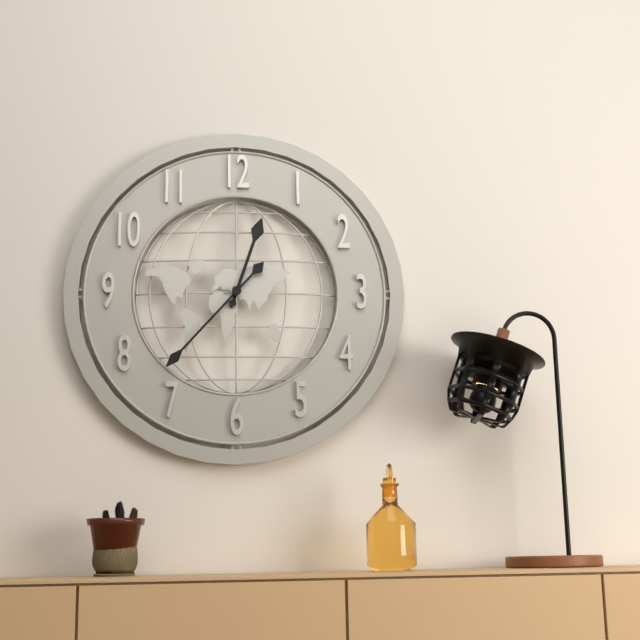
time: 12:37
